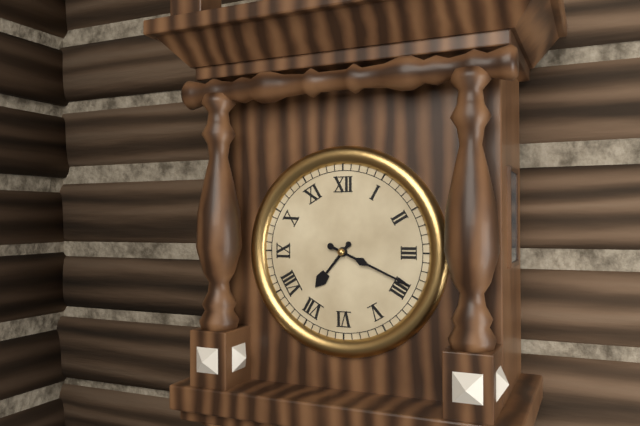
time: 7:19
